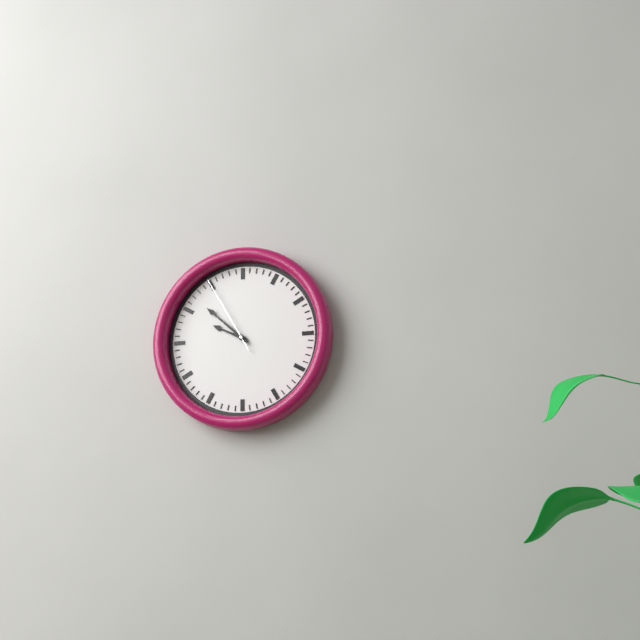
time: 9:52:55
